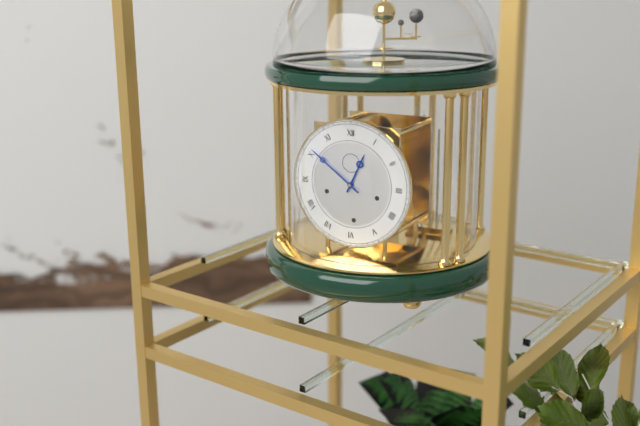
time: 12:51
